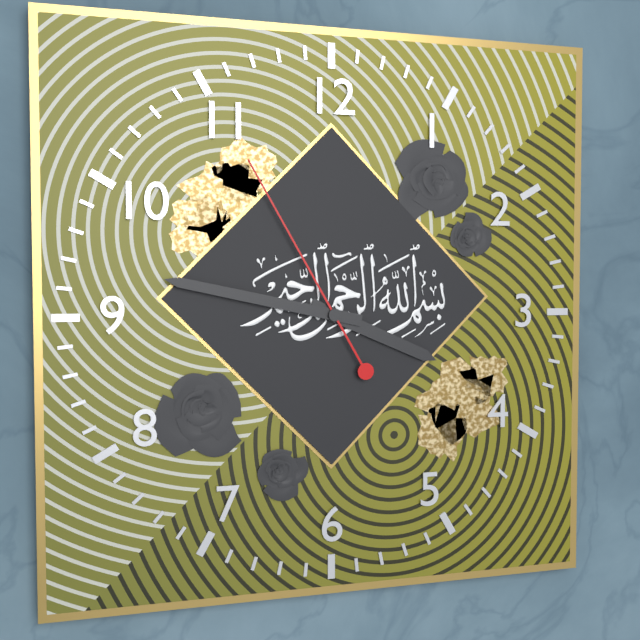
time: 3:47:55
